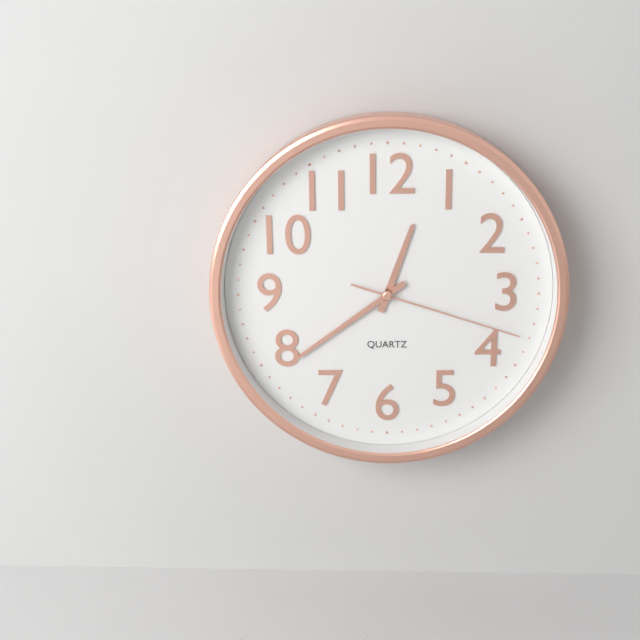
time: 12:39:18
